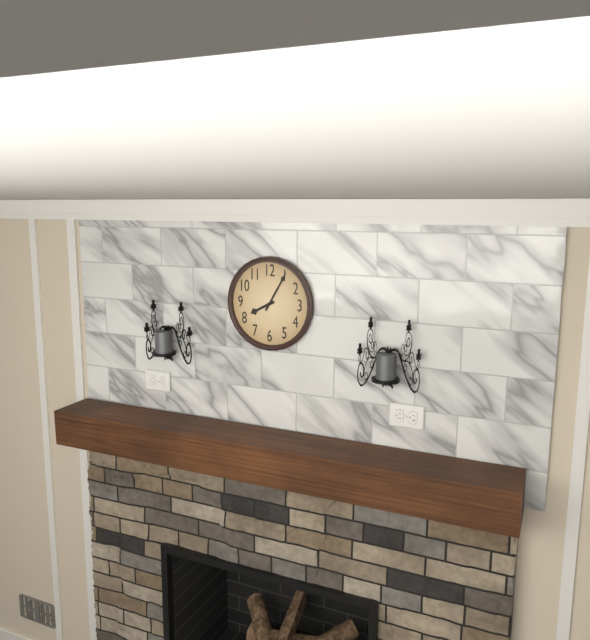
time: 8:05
